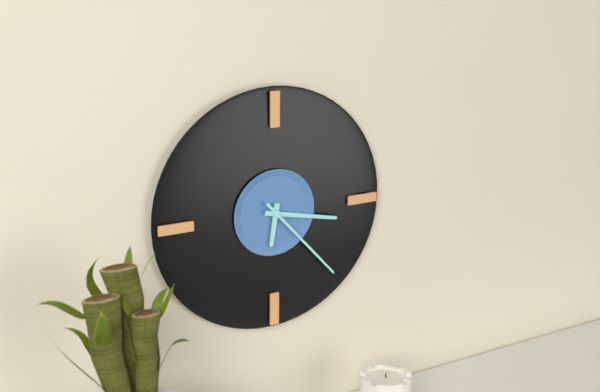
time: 6:17:23
